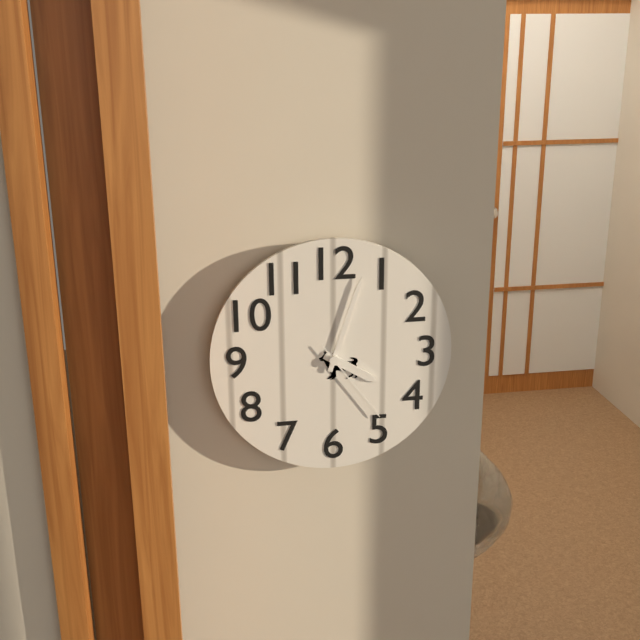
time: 4:03:24
